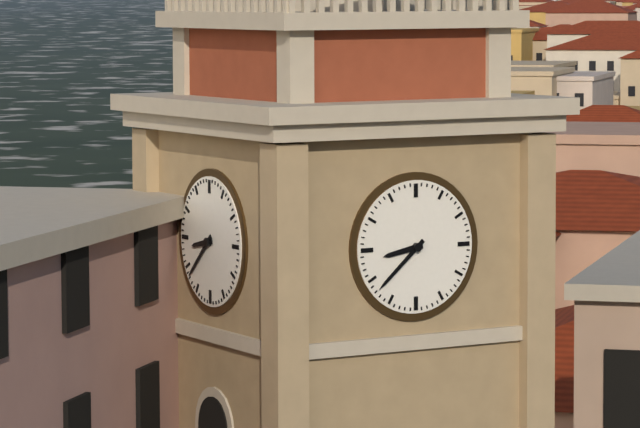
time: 8:38
